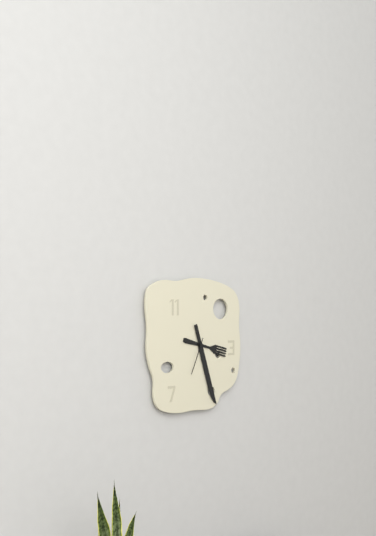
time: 3:27
